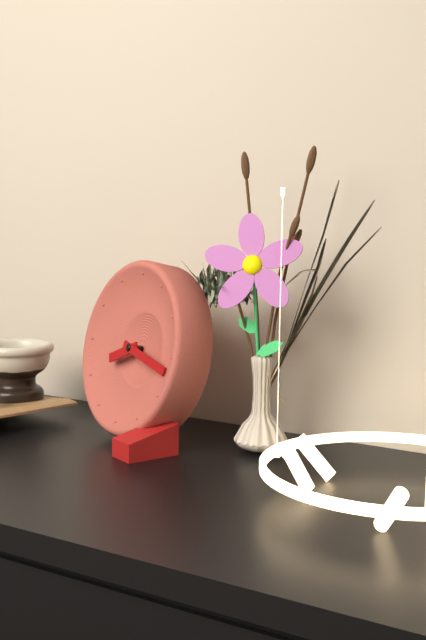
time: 8:17
